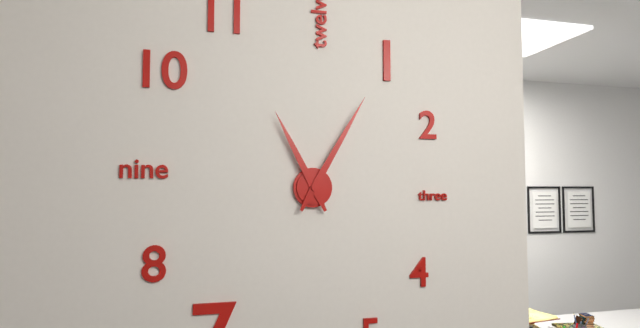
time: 11:05
